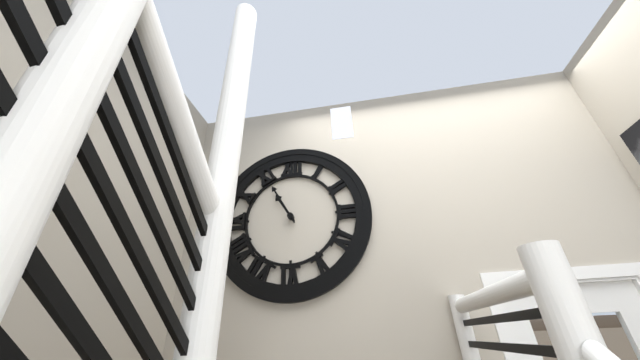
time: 10:55
